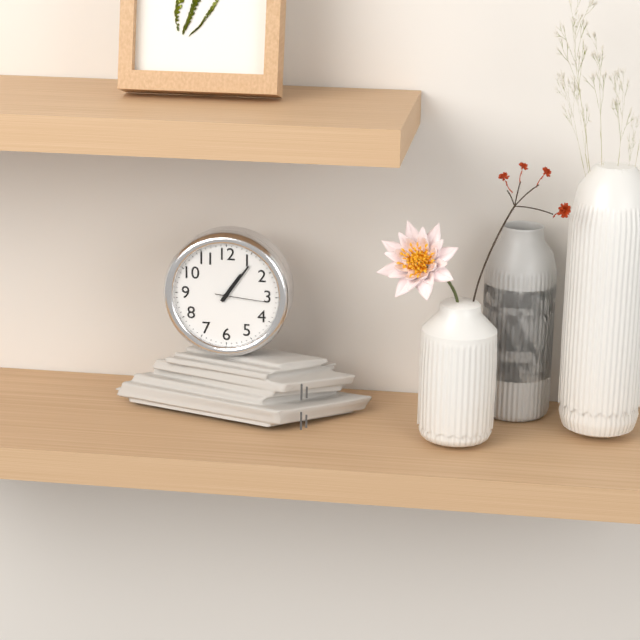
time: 1:06:16
